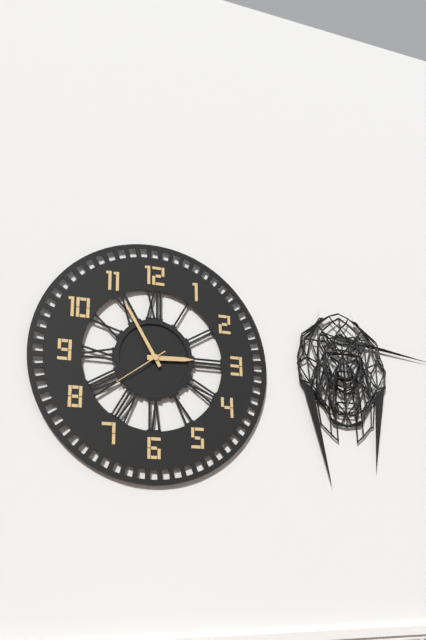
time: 2:55:39
